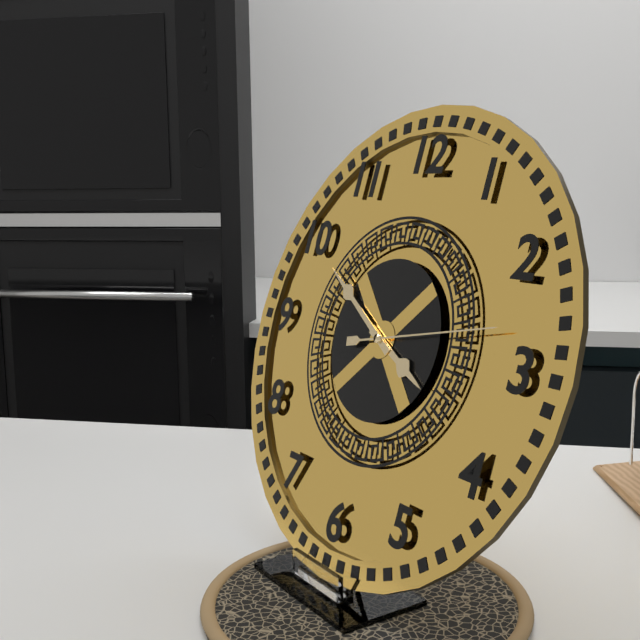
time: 3:50:13
